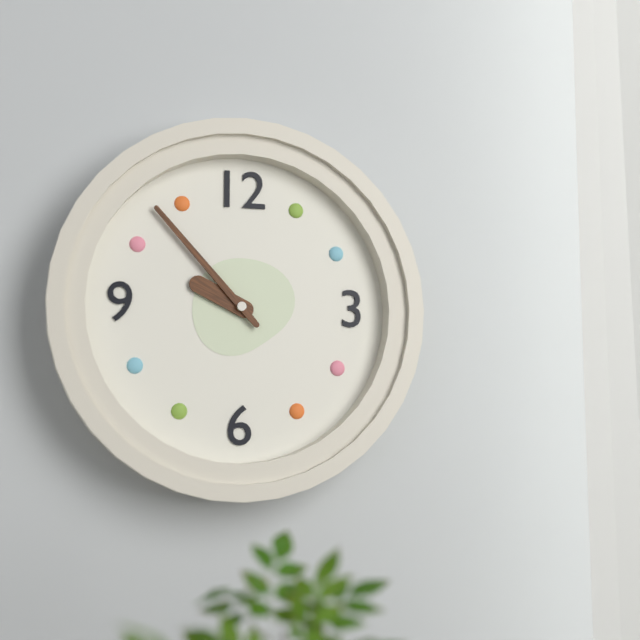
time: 9:53
